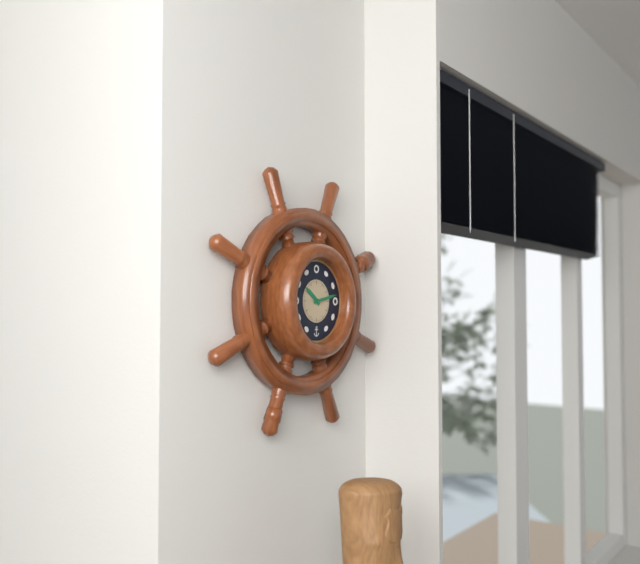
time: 10:13
